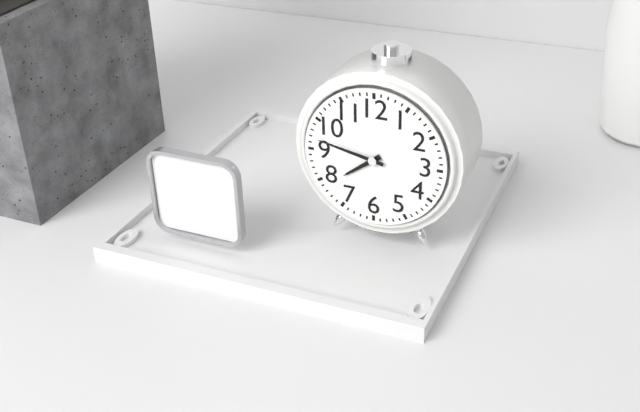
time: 7:47
